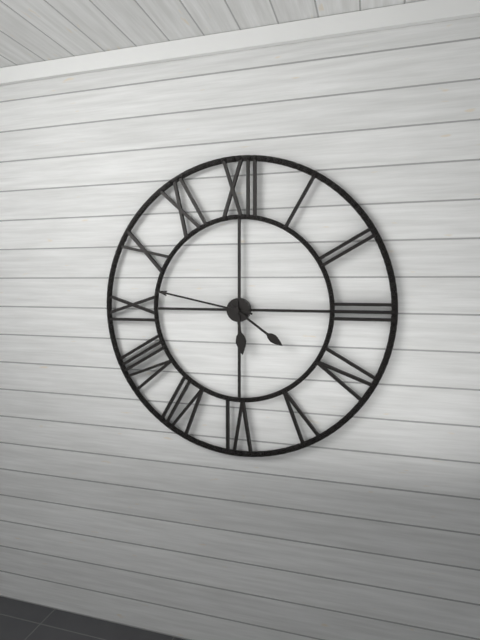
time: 5:47:21
